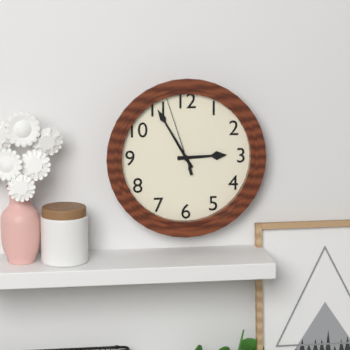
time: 2:55:57
